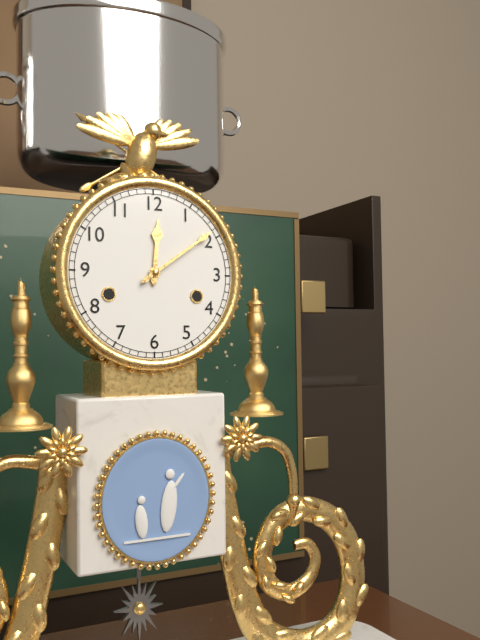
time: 12:09
